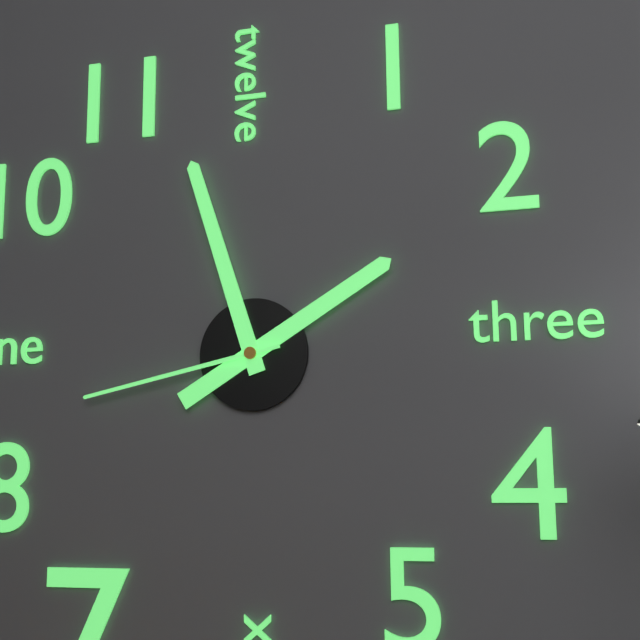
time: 1:57:43
